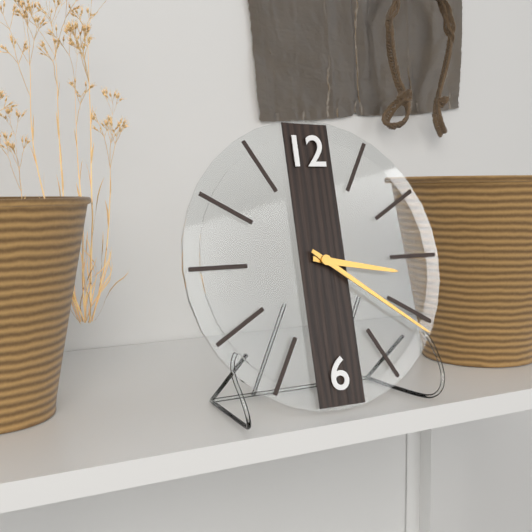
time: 3:21
